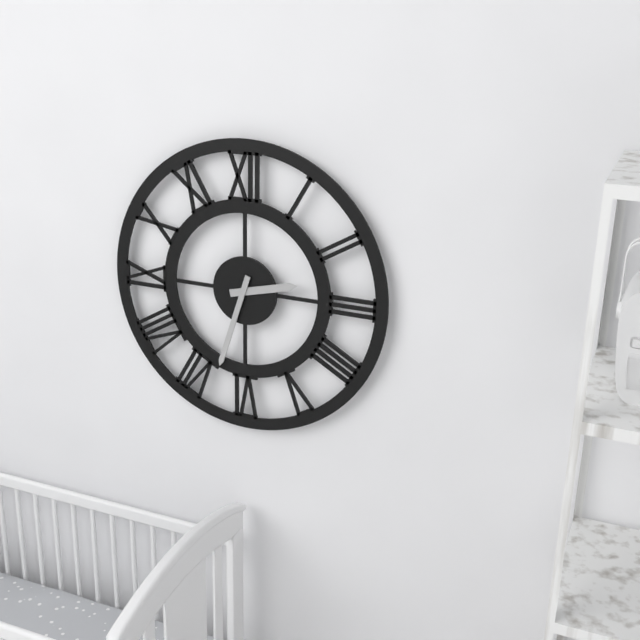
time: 2:33
